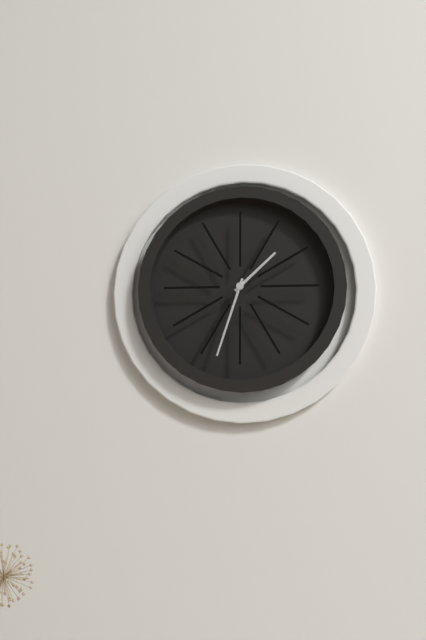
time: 1:33
